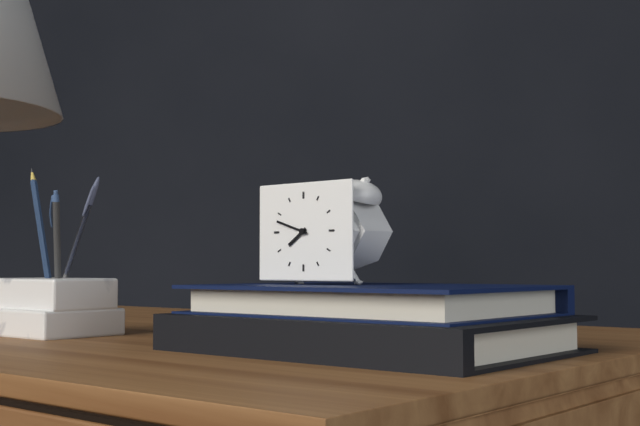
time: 7:48
